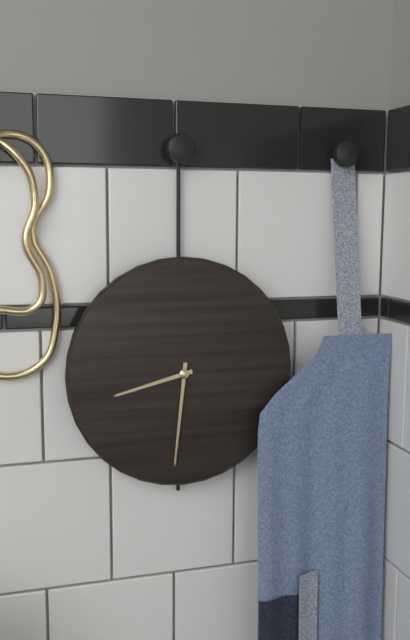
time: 8:31
